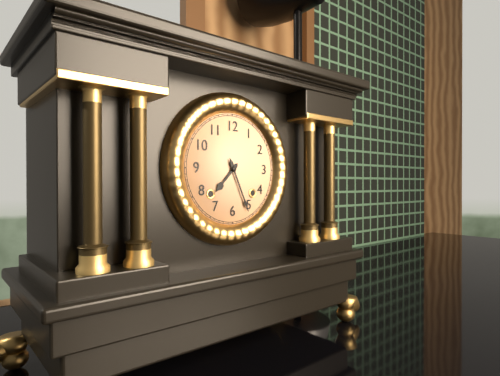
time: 7:26
